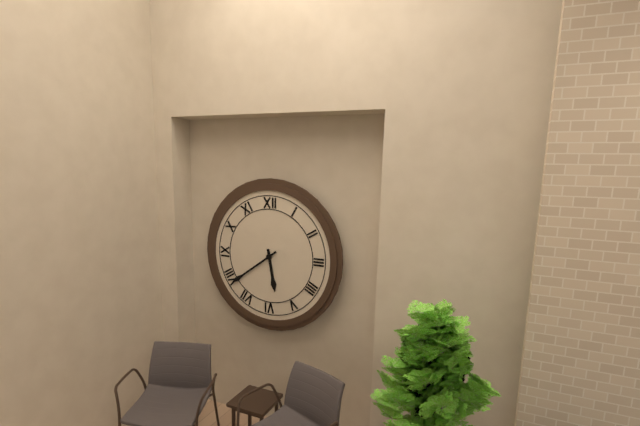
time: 5:39
